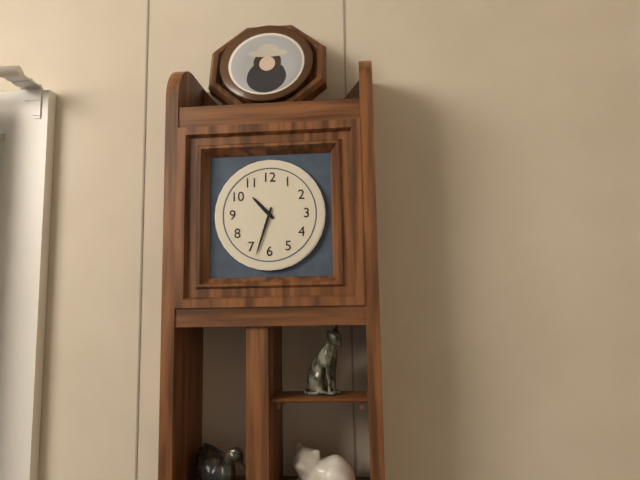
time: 10:33
